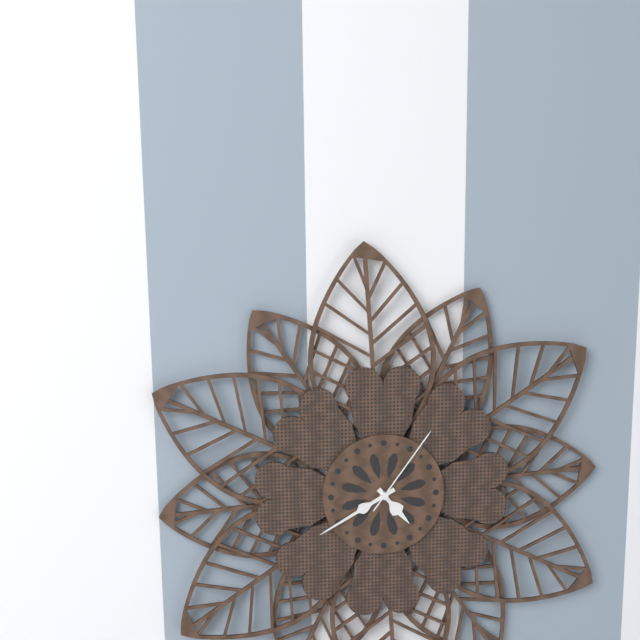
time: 4:40:06
